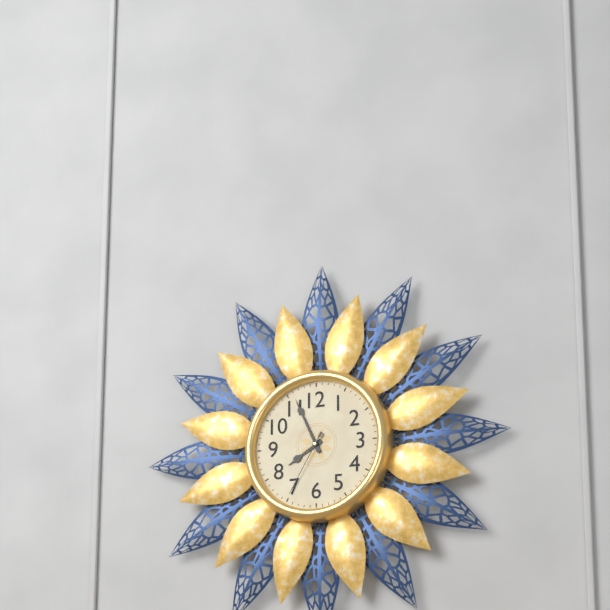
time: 7:56:35
